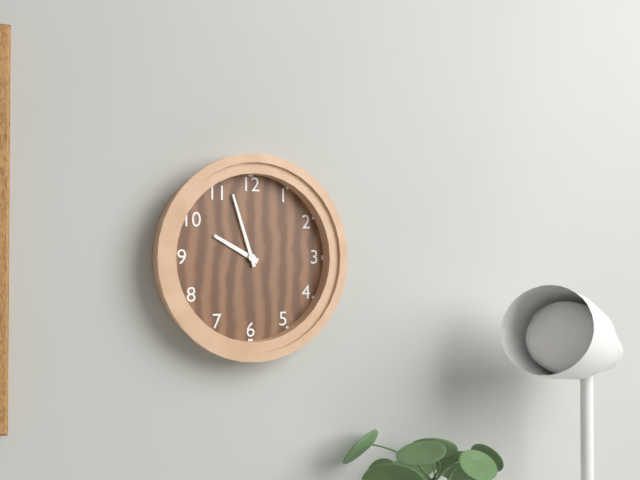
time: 9:57
